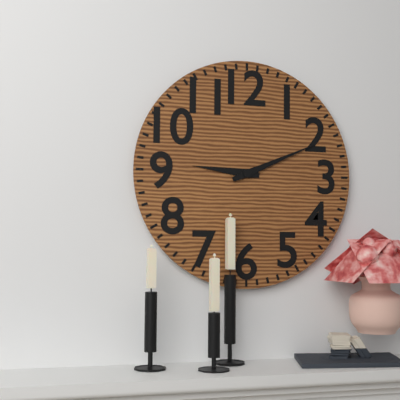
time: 9:11
